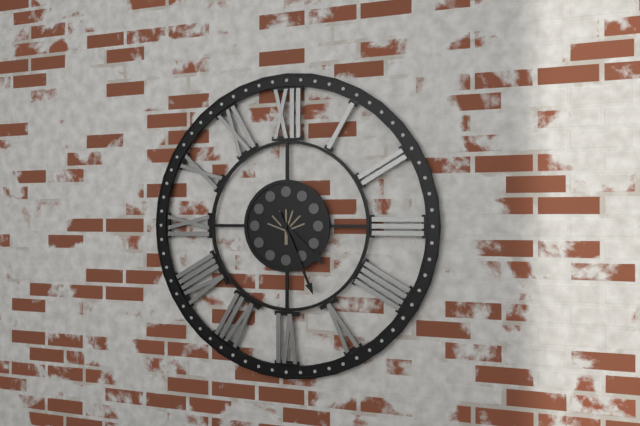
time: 4:26
